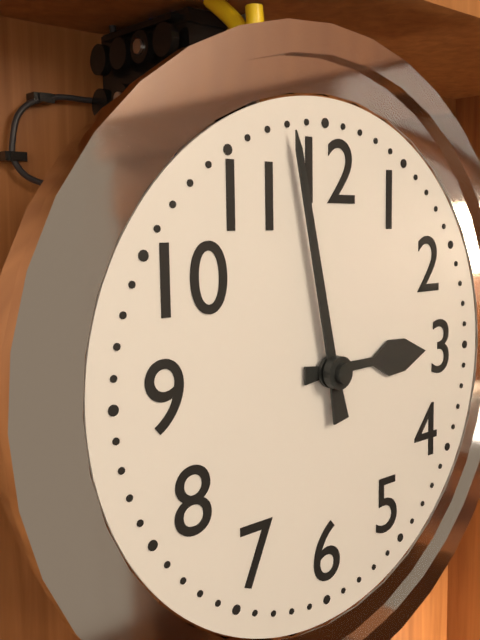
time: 2:58
